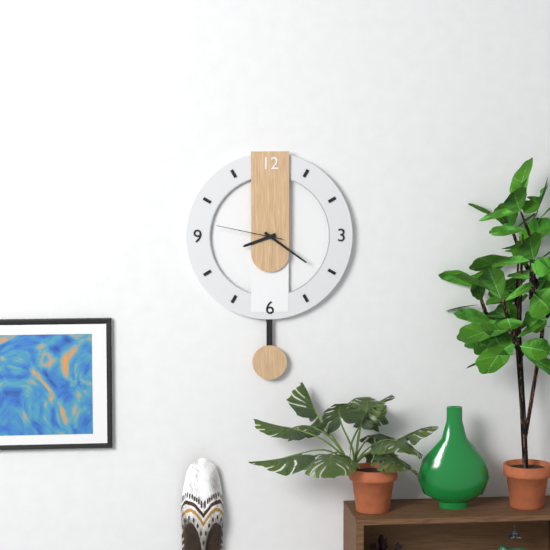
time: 8:21:47
